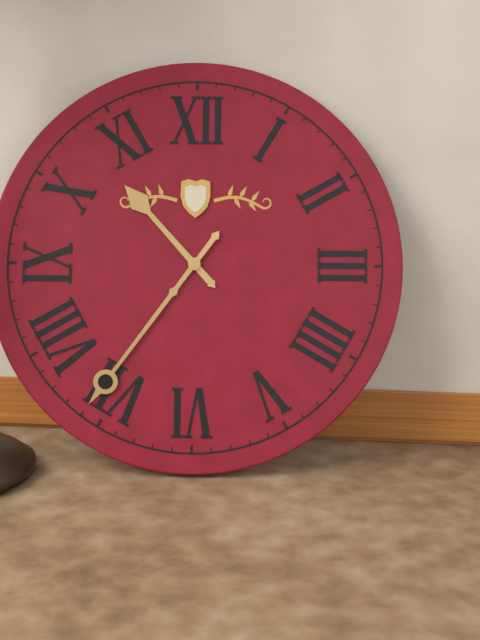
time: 10:36
